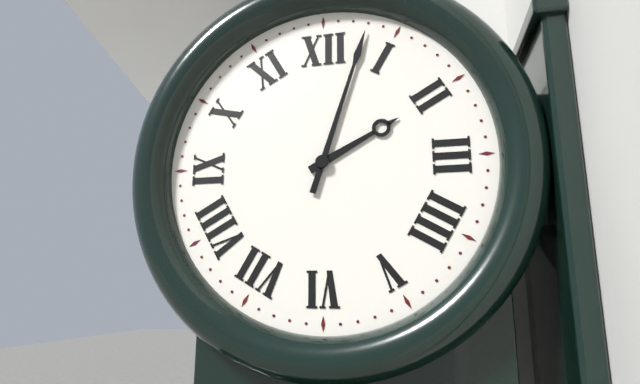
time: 2:03
